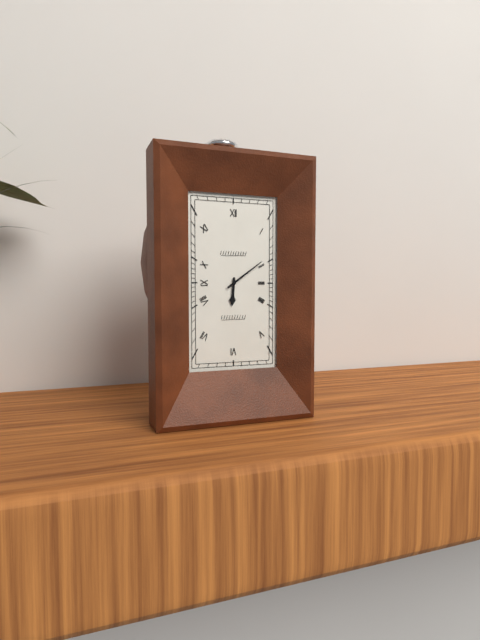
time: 6:09
